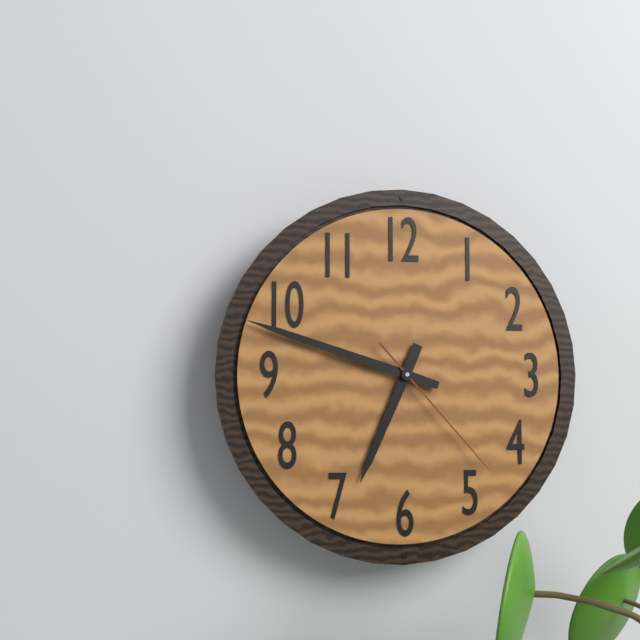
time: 6:48:23
